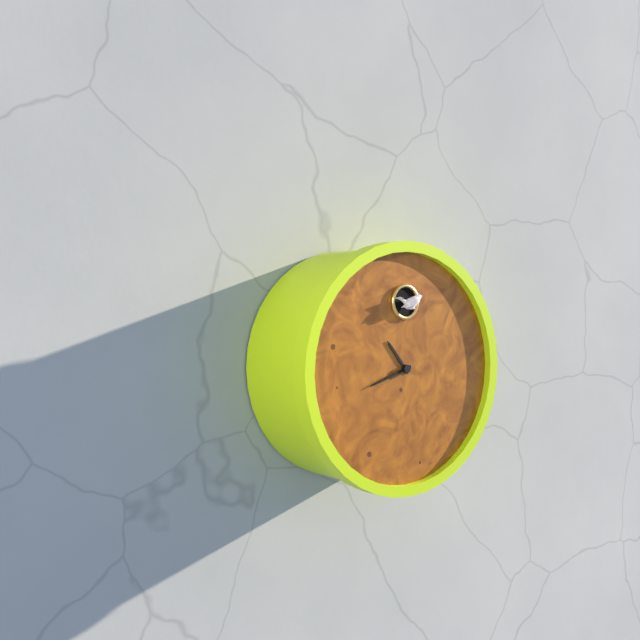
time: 10:42
